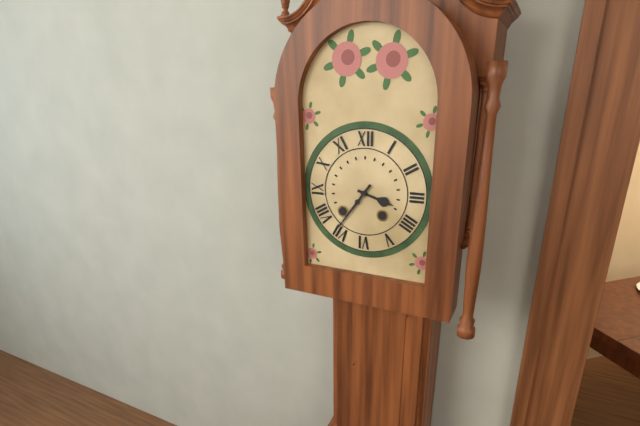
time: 3:36
